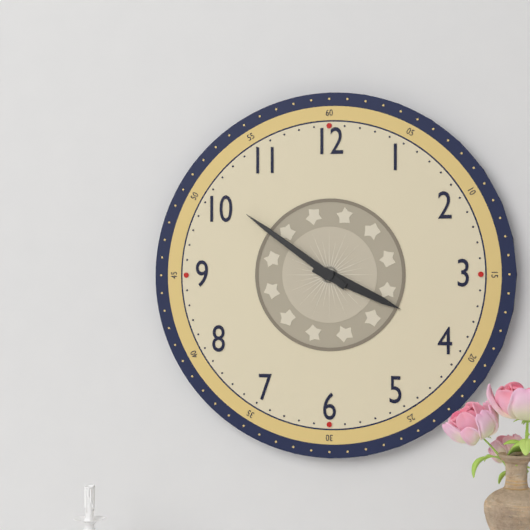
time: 3:51
